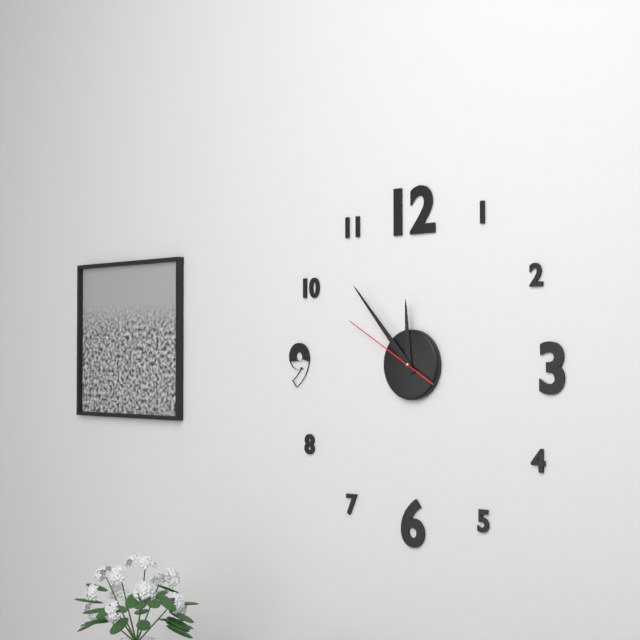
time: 11:53:50
